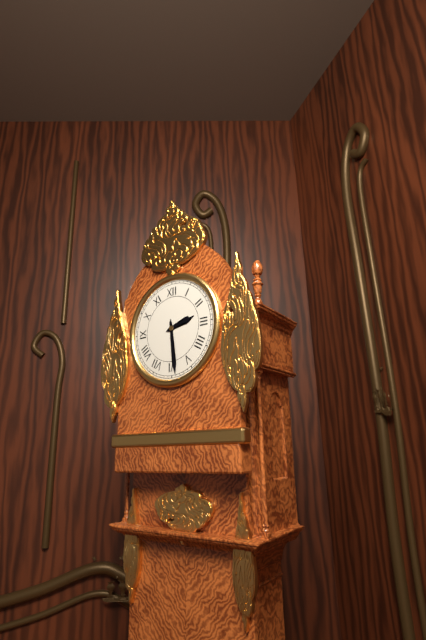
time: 2:29
